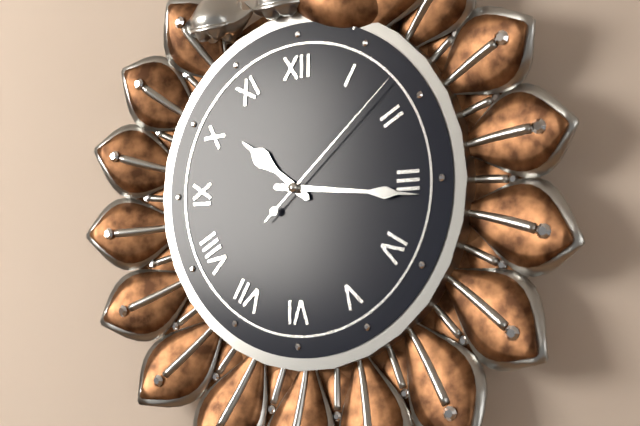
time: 10:16:08
